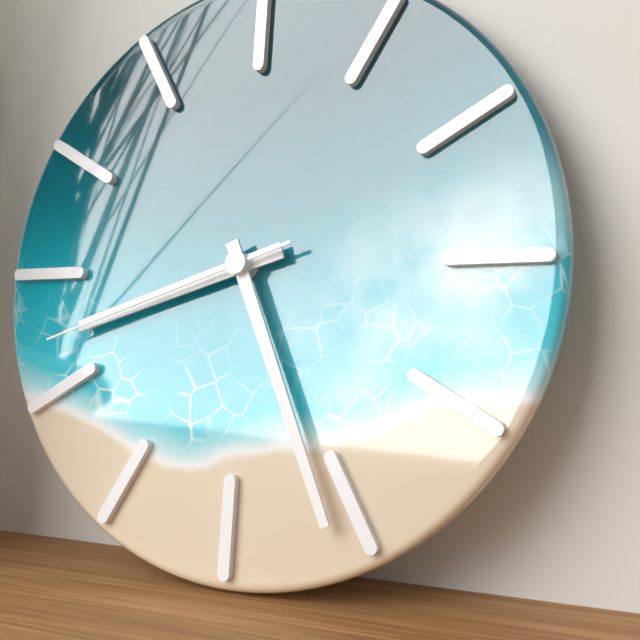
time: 8:26:42
